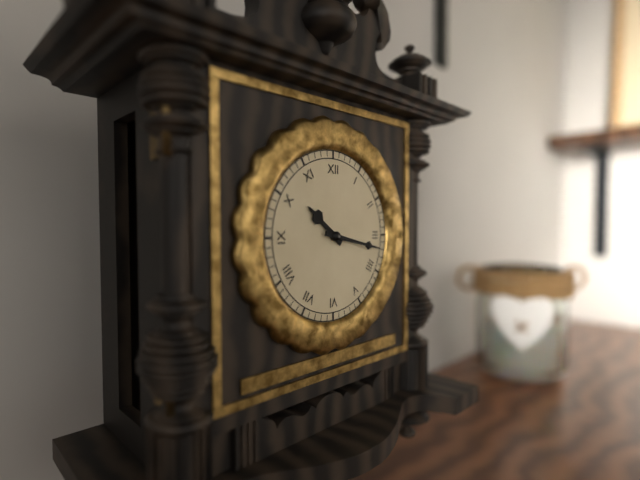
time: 10:17
